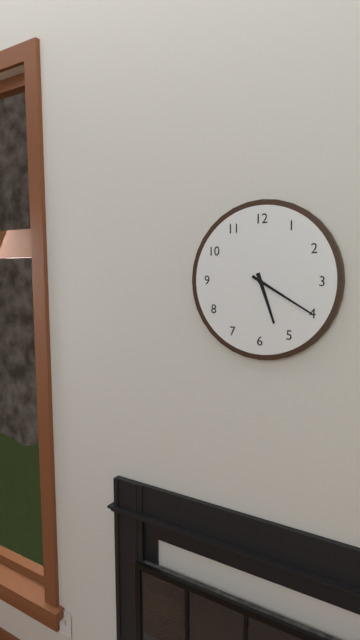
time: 5:20
